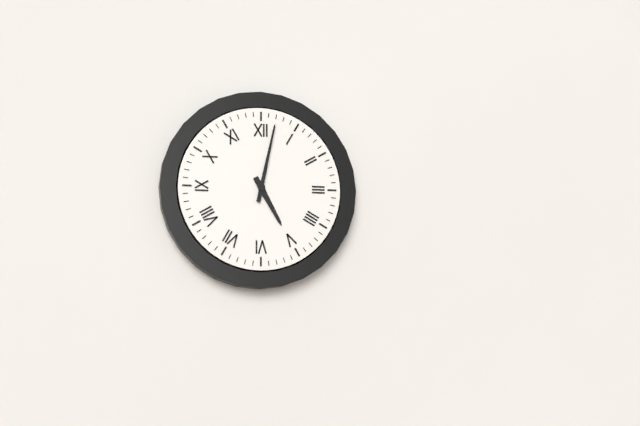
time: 5:02
